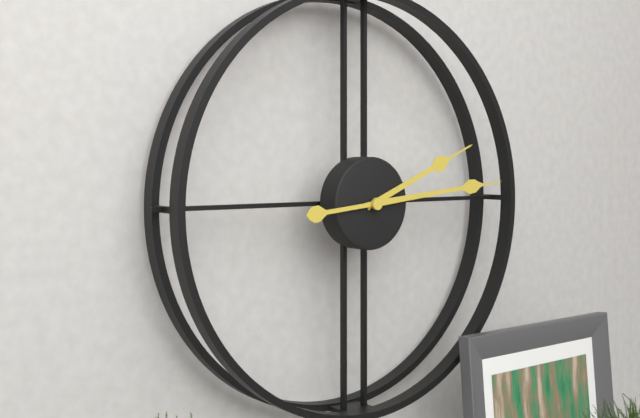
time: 2:14
